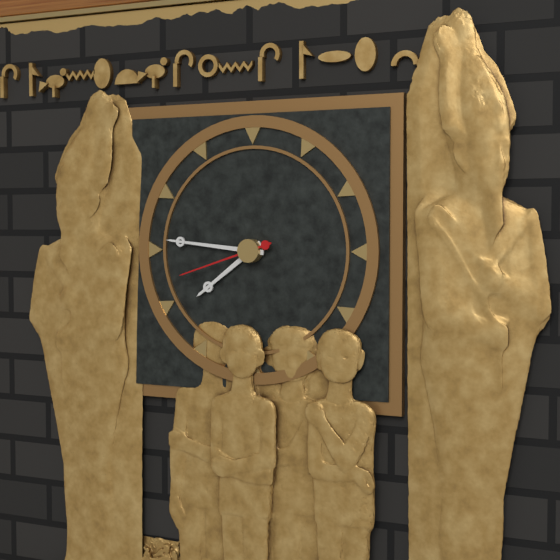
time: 7:46:42
